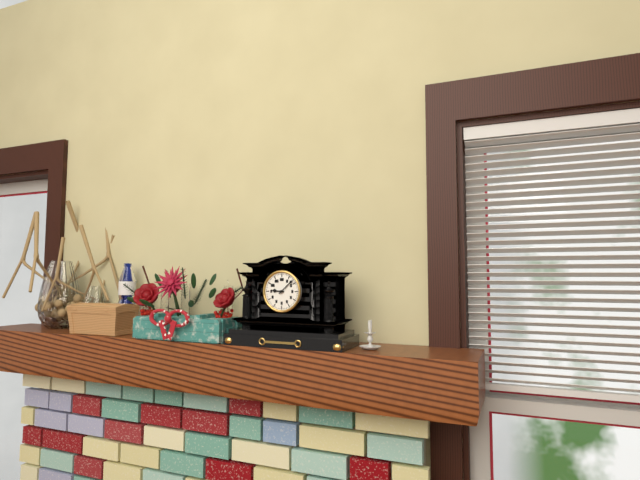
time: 9:08
